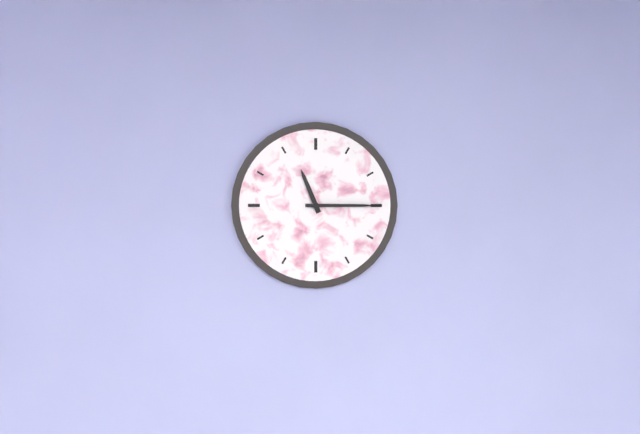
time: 11:15
